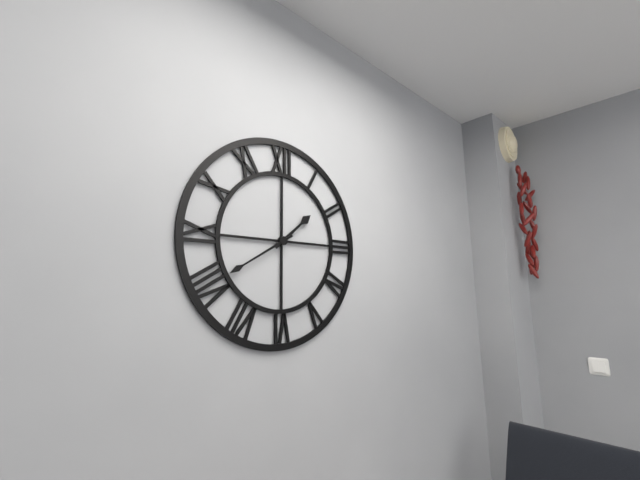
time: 1:40
